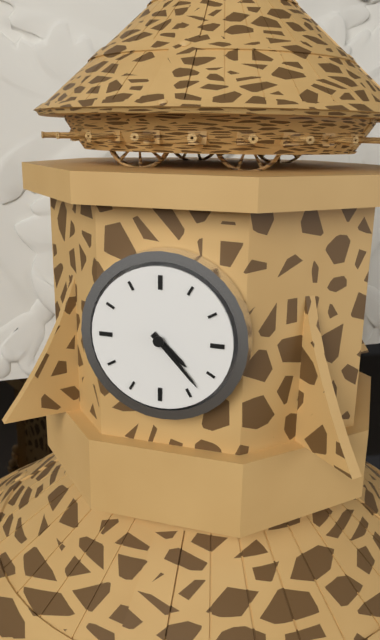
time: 4:23
